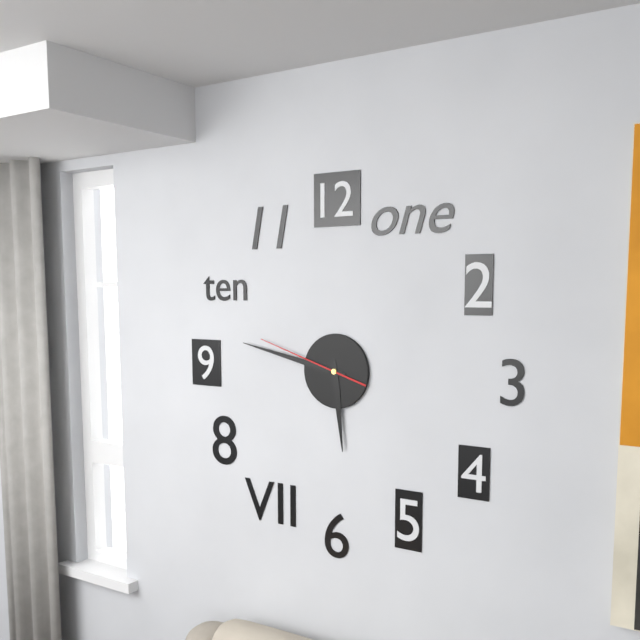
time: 5:47:48
